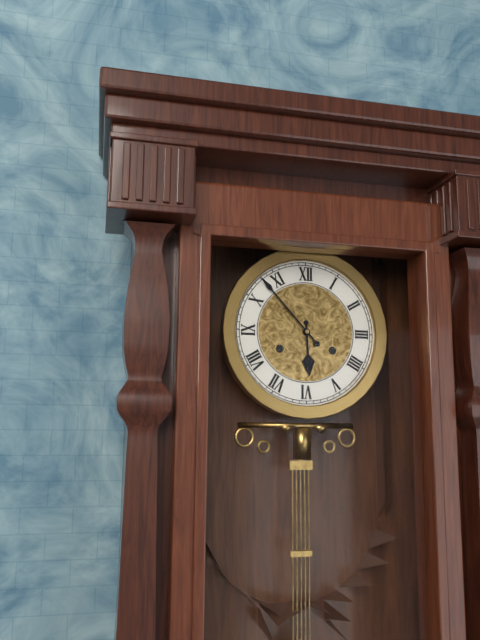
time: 5:53
